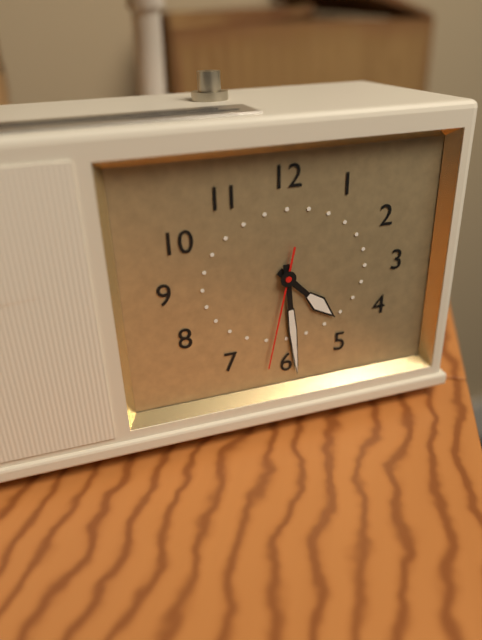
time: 4:29:32
